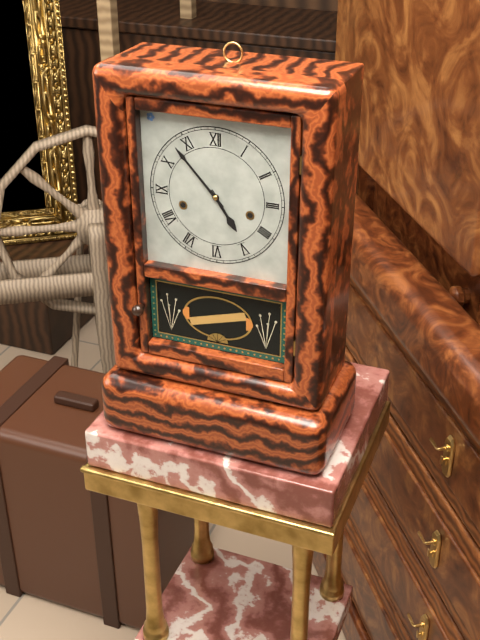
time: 4:53
